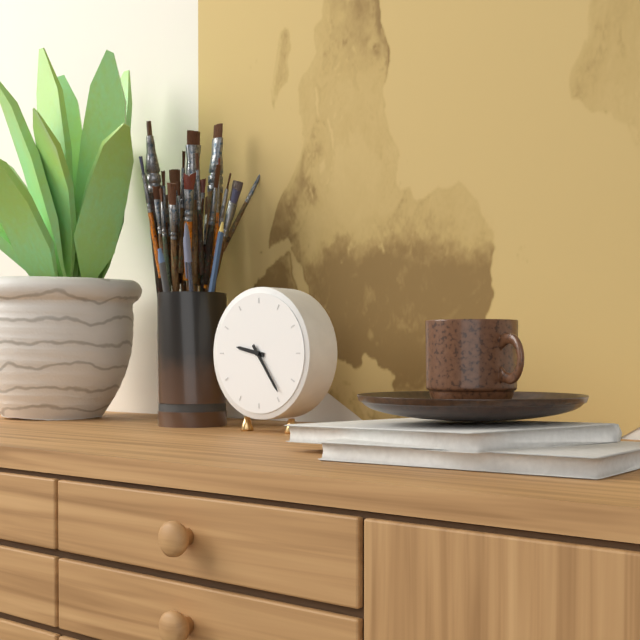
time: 9:24
